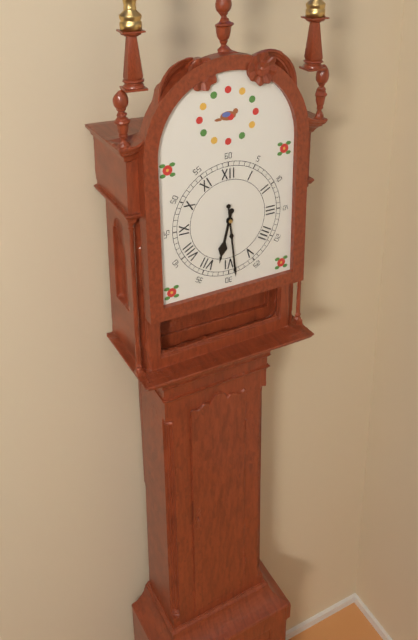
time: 6:29
